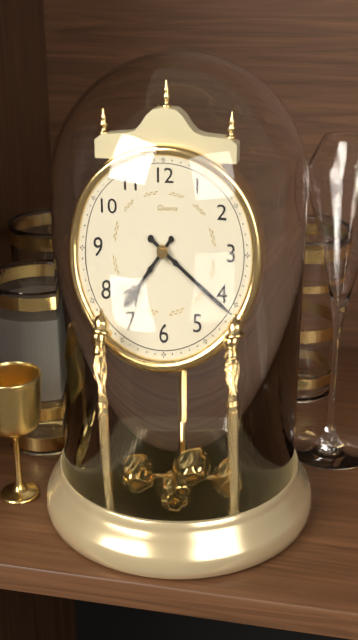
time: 7:21
